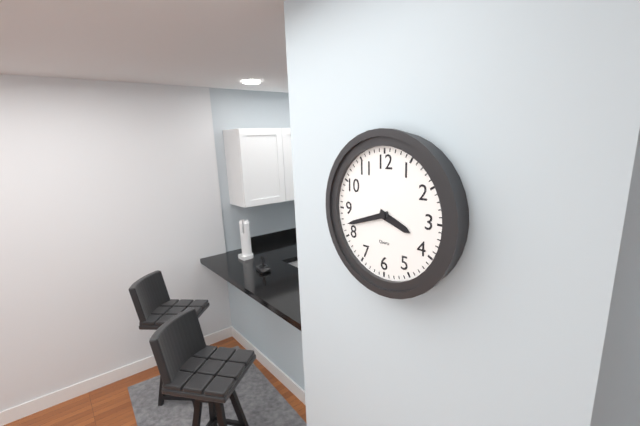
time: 3:42
